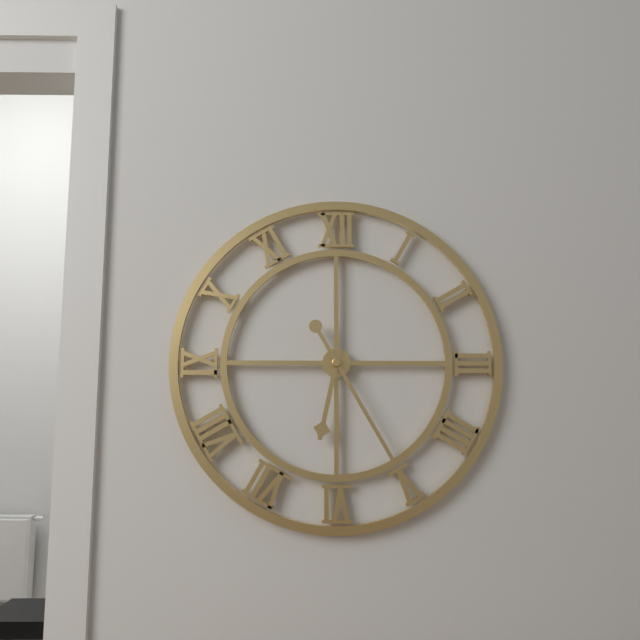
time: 6:25
